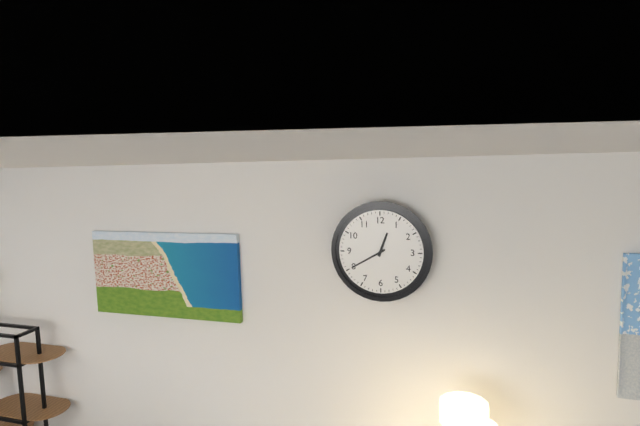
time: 12:40
